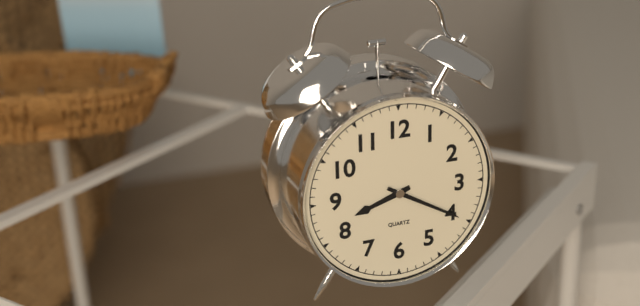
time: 8:20
